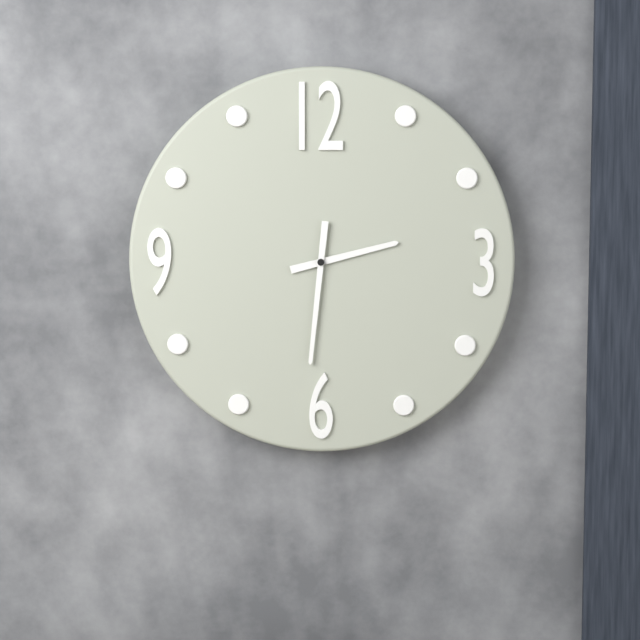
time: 2:31
